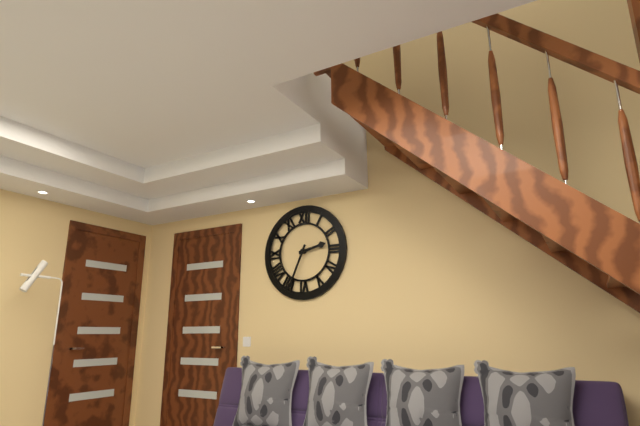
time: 2:34
